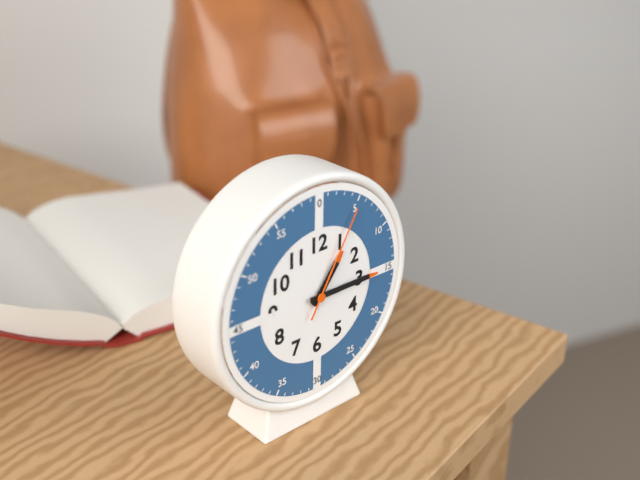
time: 1:15:05
